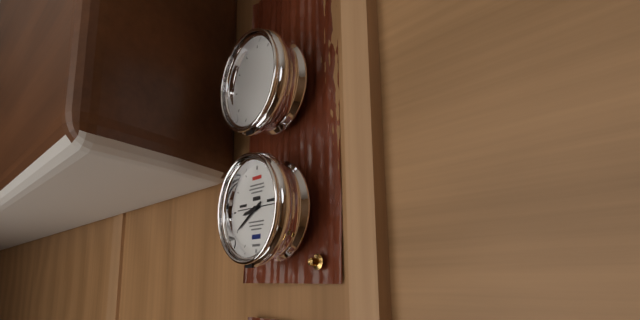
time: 8:40
